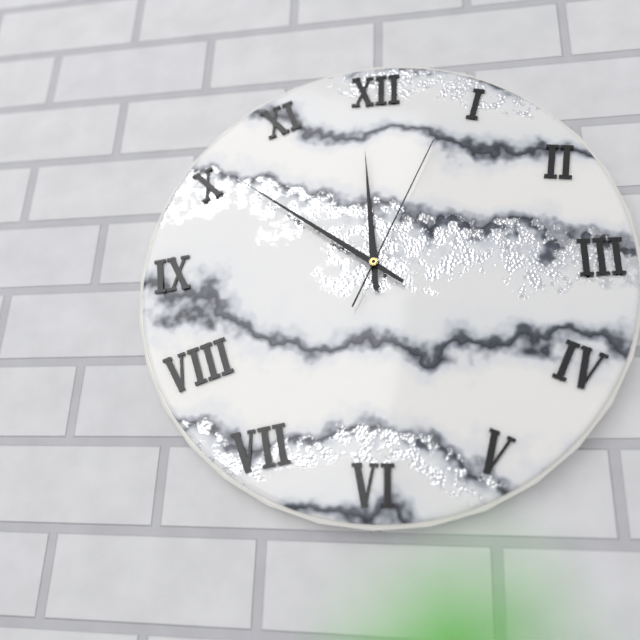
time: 11:51:04
